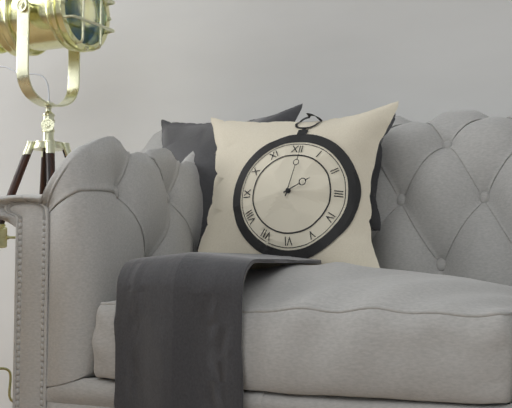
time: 2:02
